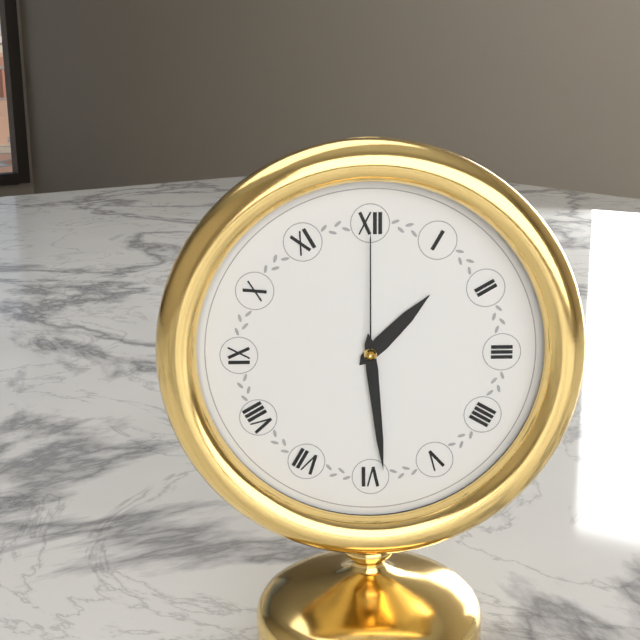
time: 1:29:00
